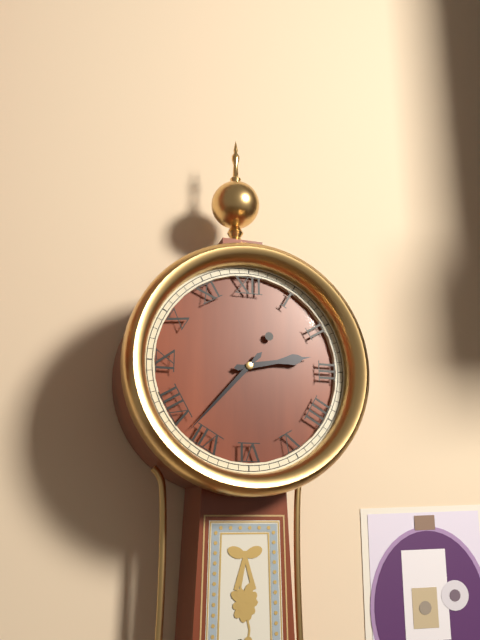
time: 2:37
